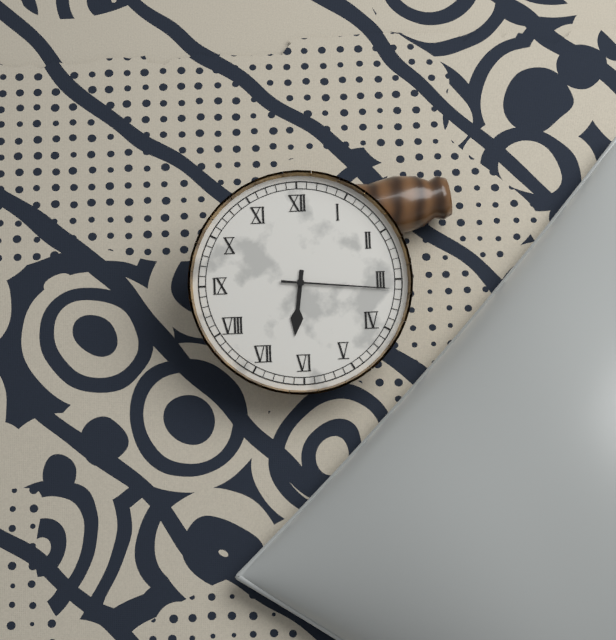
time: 6:16
